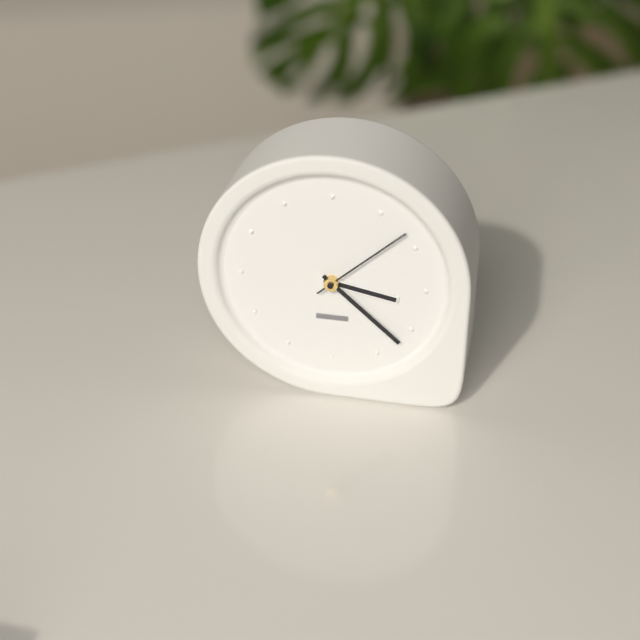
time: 3:22:08
